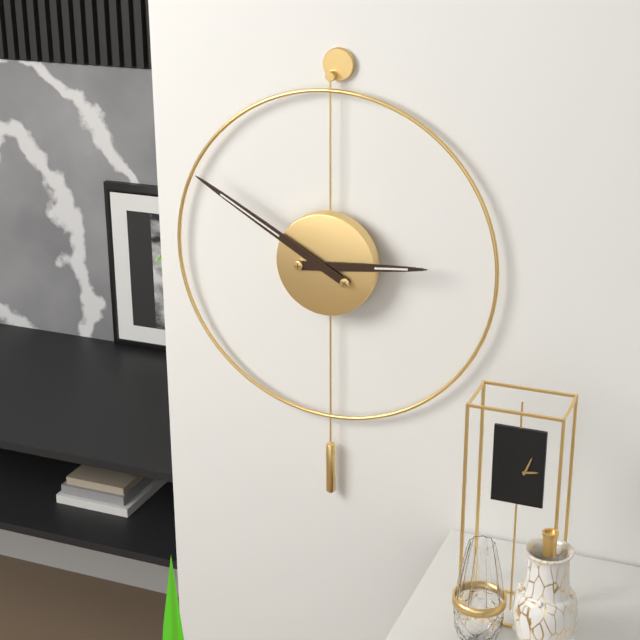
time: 2:50
